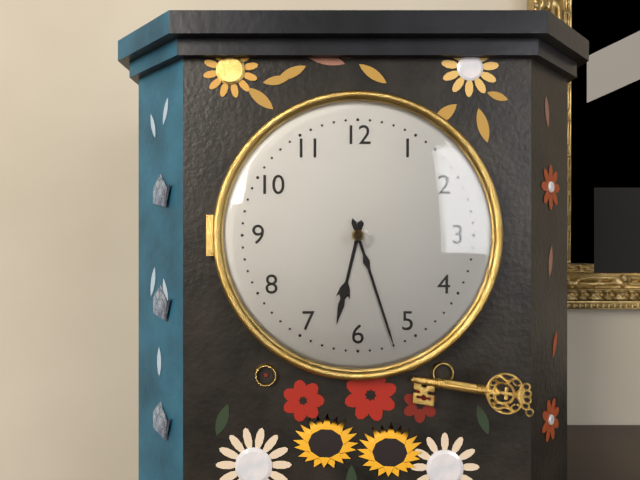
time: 6:27
